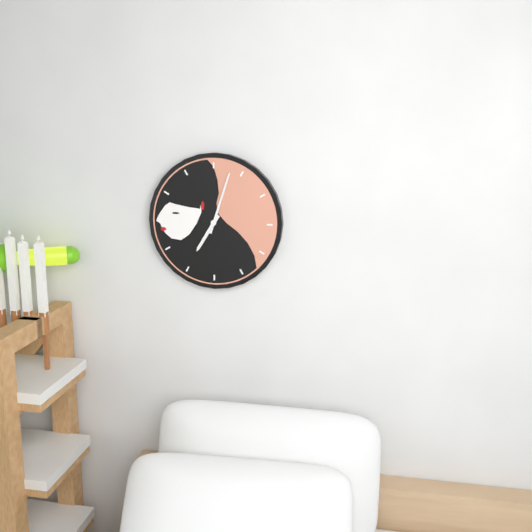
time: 7:03
